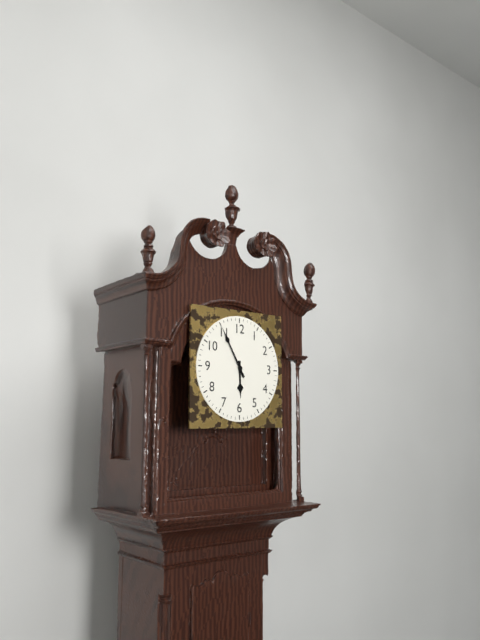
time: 5:55
